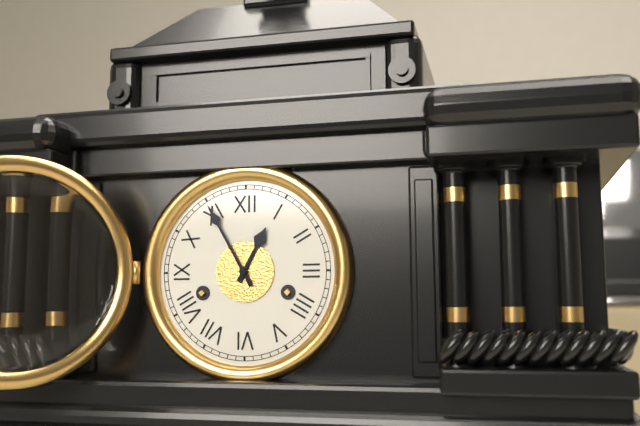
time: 12:55
